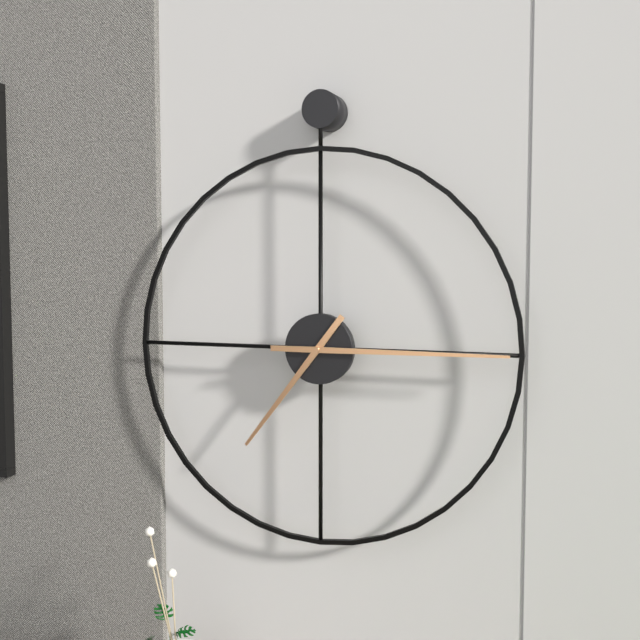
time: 7:15
